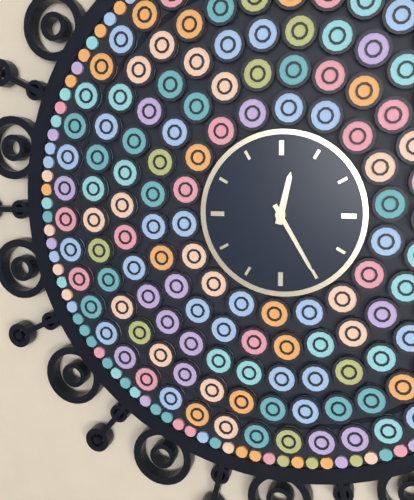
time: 12:25
